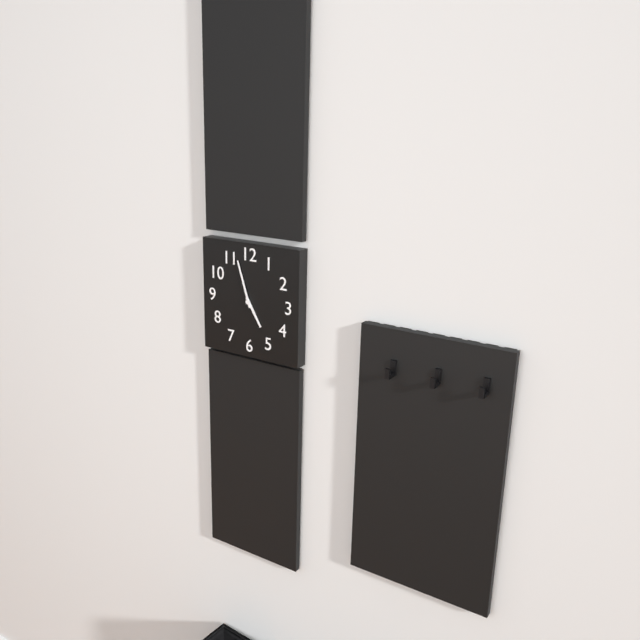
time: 4:57
